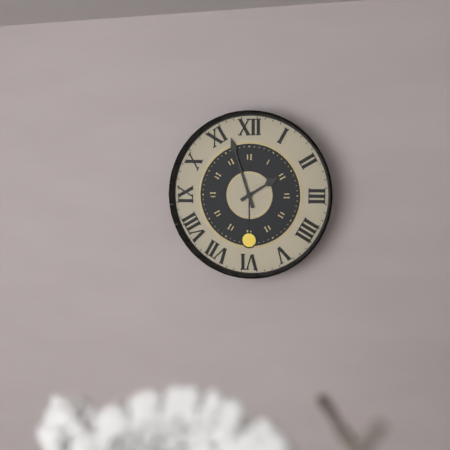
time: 1:57
